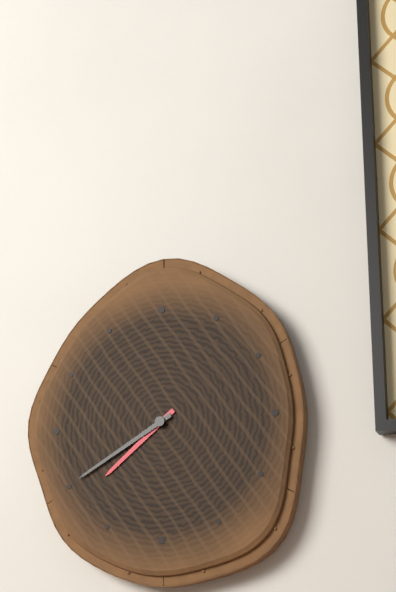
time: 7:40
